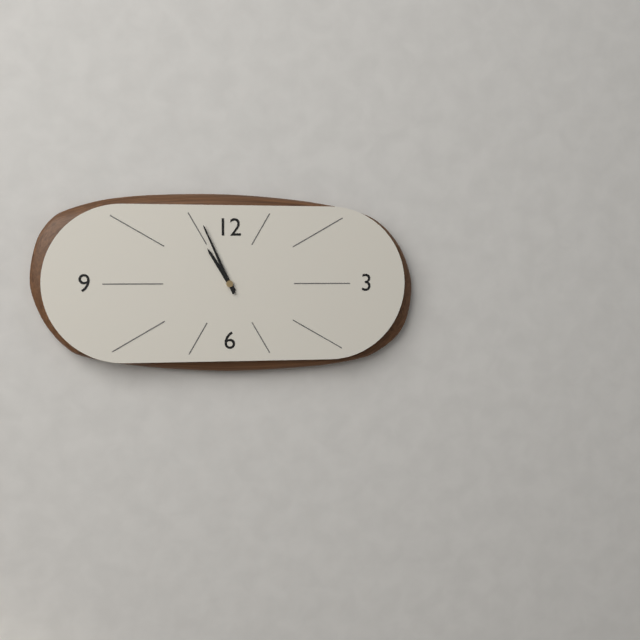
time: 10:56
